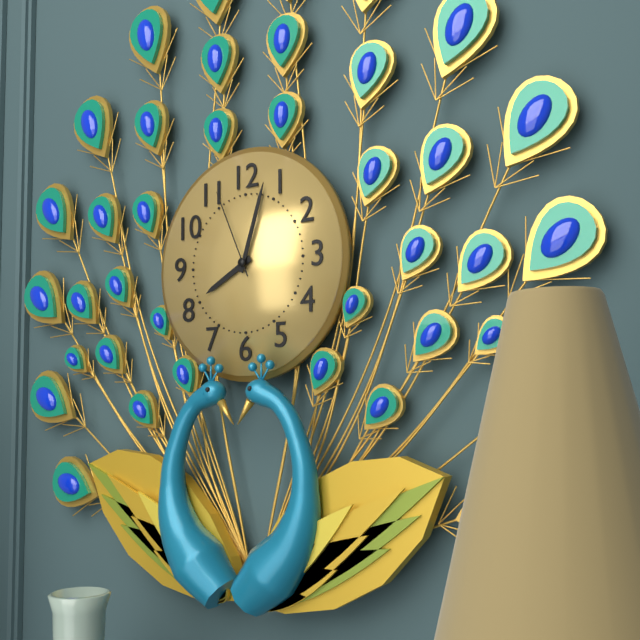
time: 8:03:56
